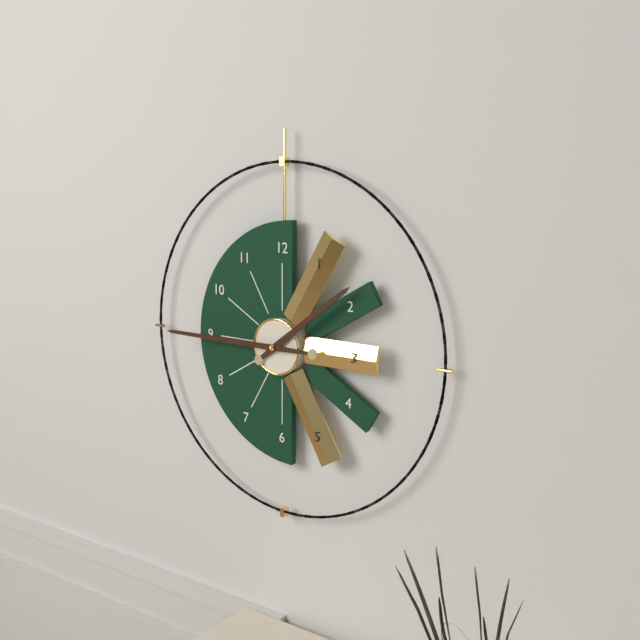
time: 1:45
